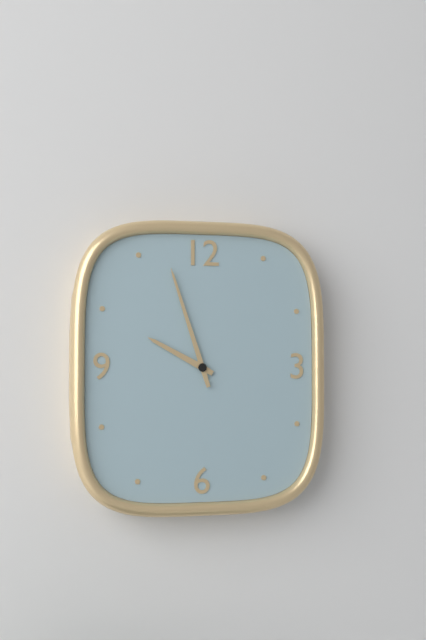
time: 9:57
